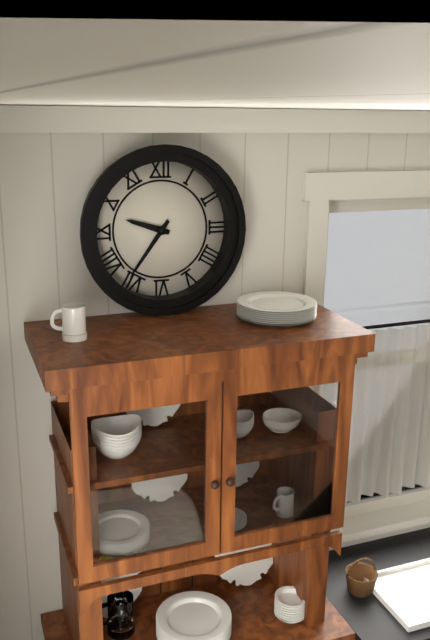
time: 9:36
